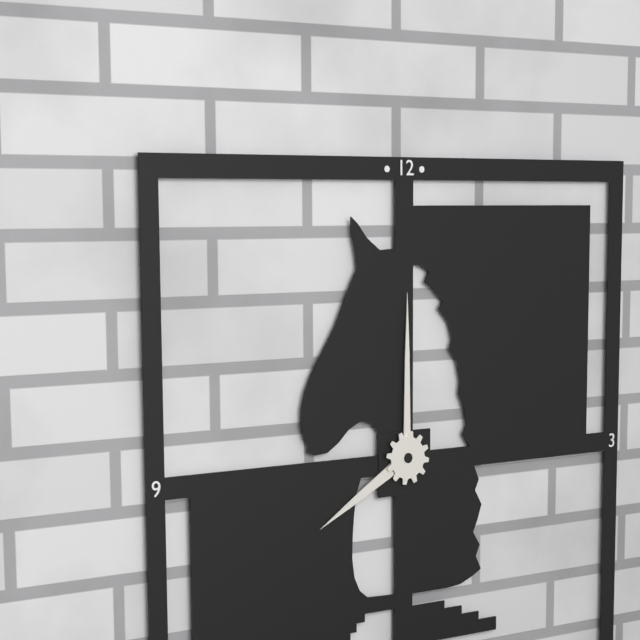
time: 8:00
